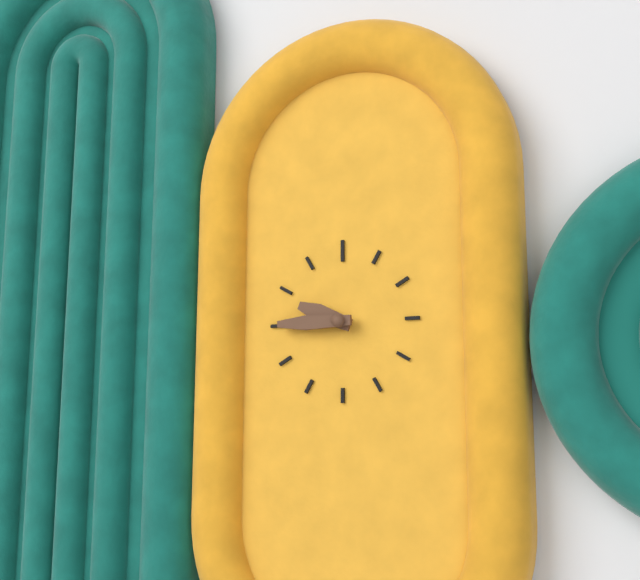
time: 9:45
